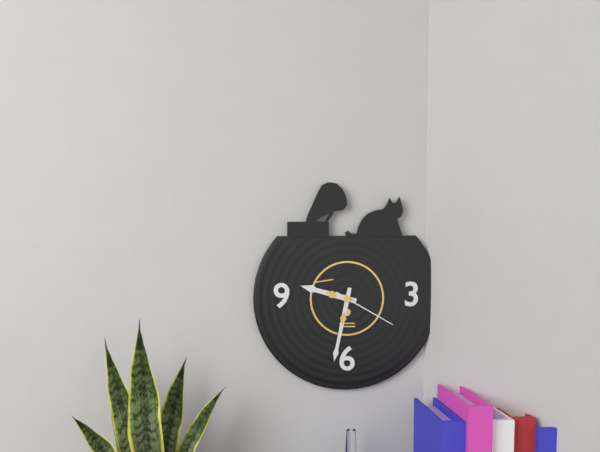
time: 9:32:20
